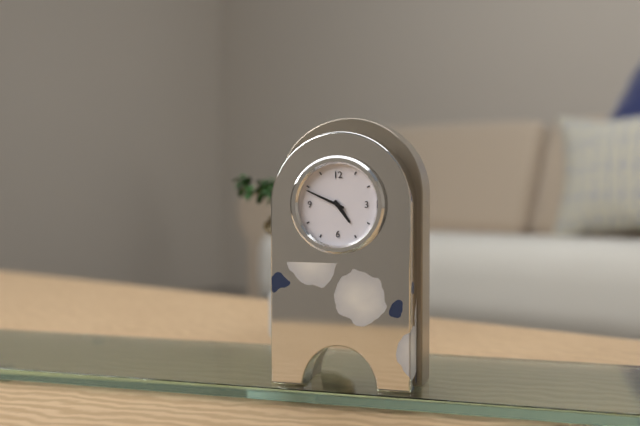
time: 4:49
